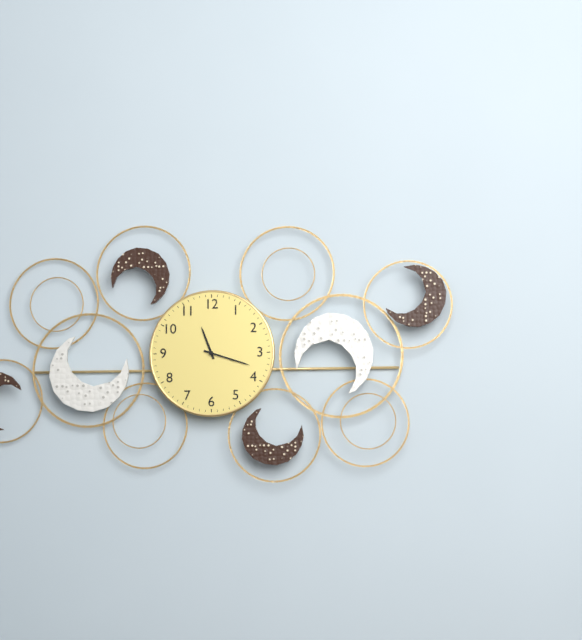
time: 11:18
